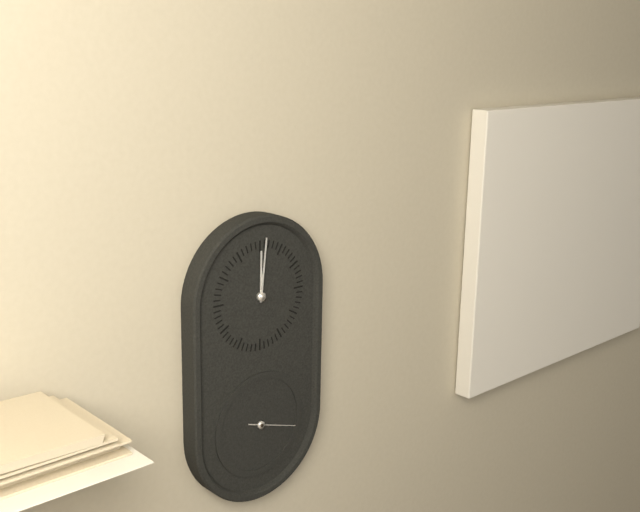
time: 12:01
